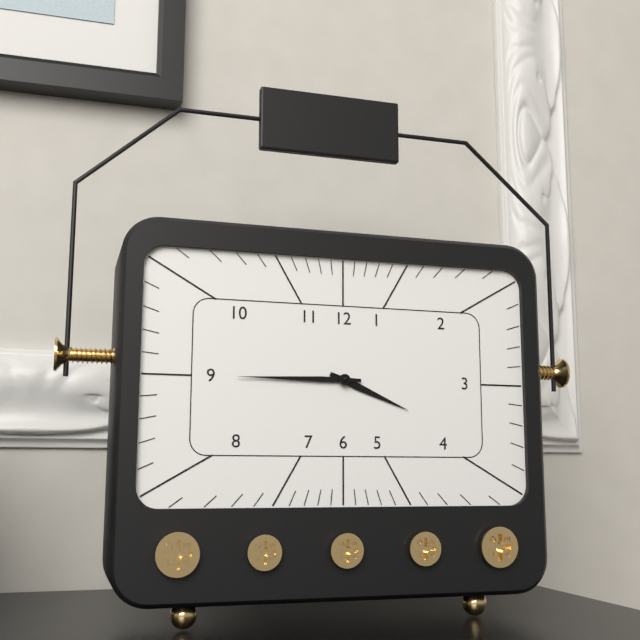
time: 3:45
